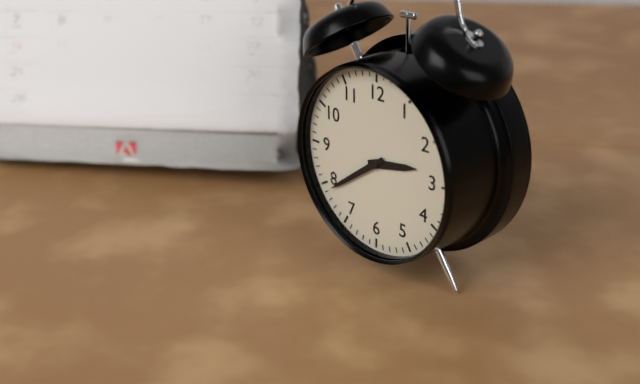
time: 2:39
